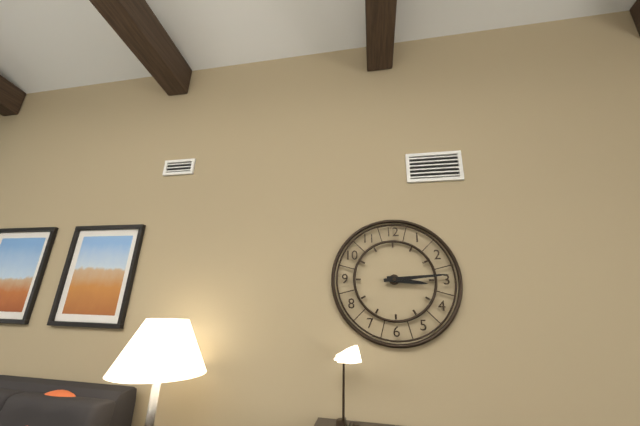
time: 3:14
